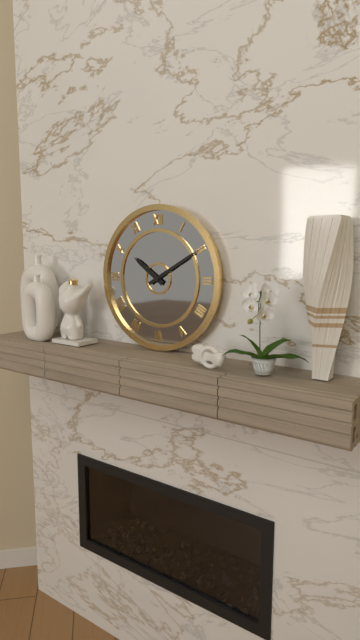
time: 10:10
